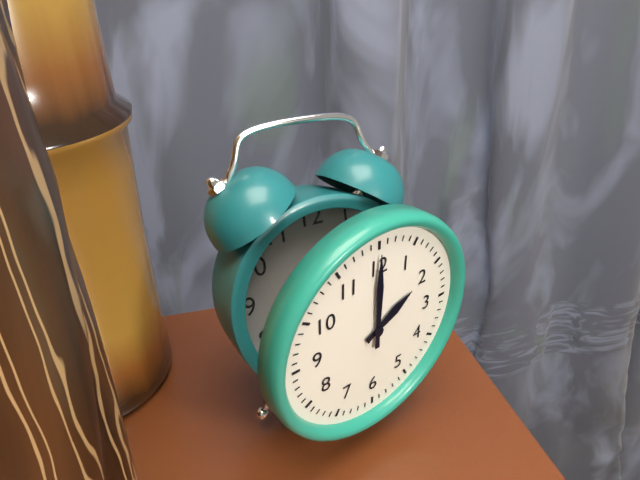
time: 2:00
